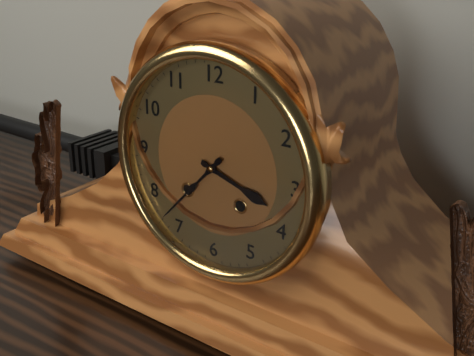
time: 3:37
